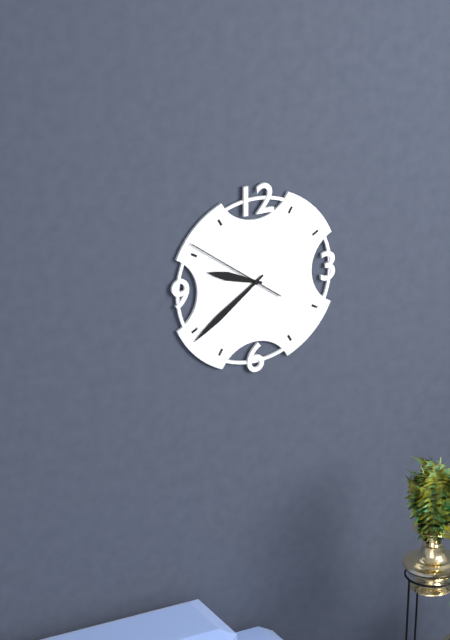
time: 9:39:51
